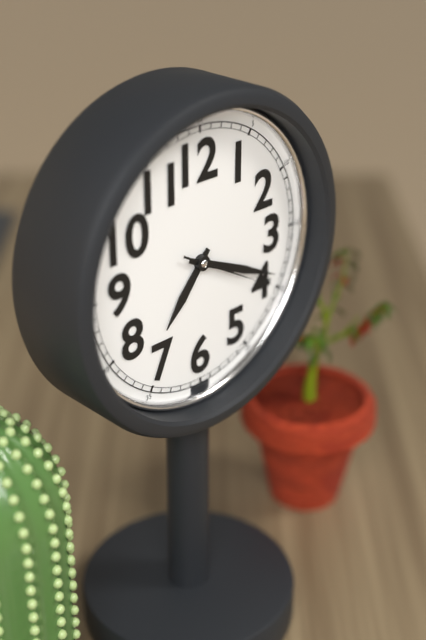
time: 7:19:20
